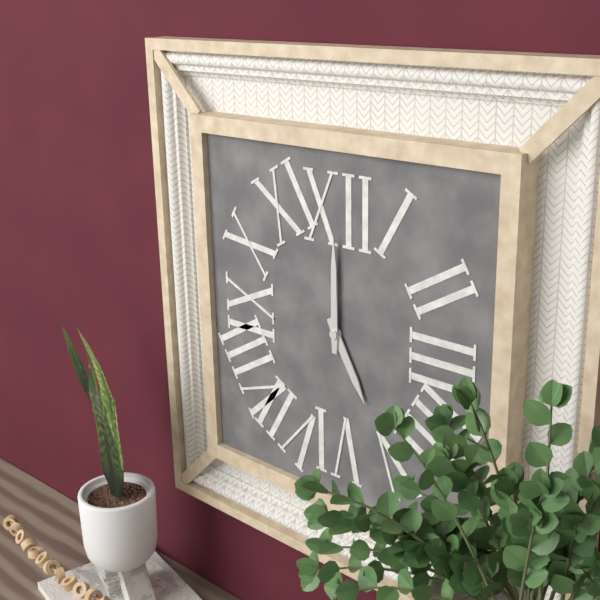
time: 5:00
